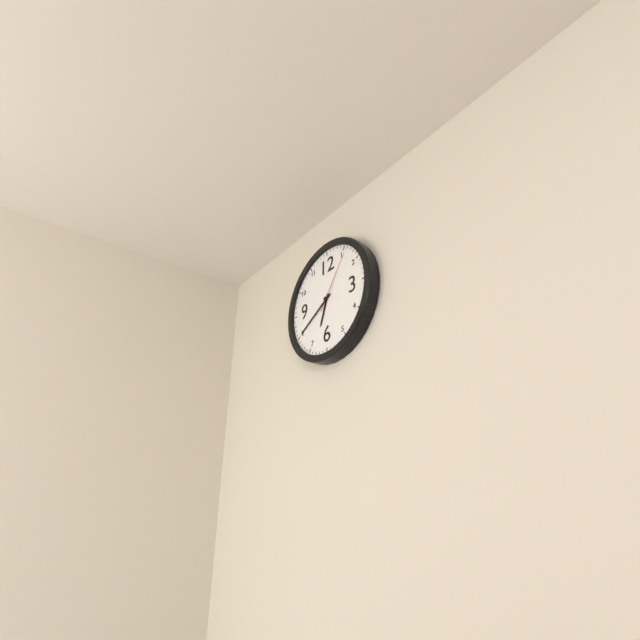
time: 6:40:06
